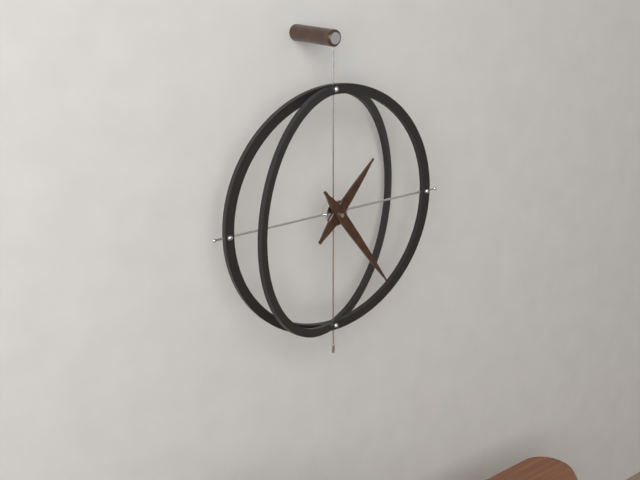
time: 1:24
